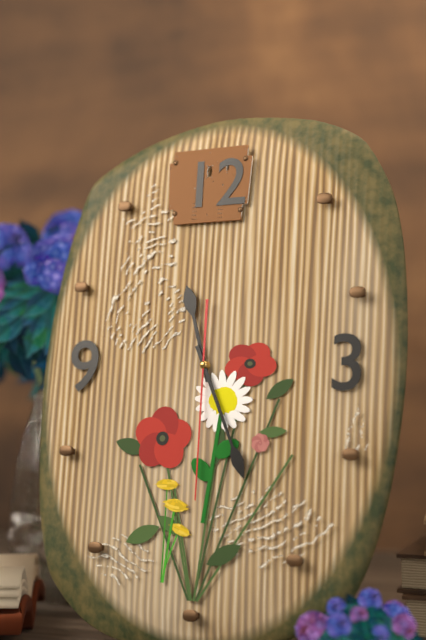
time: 11:26:30
